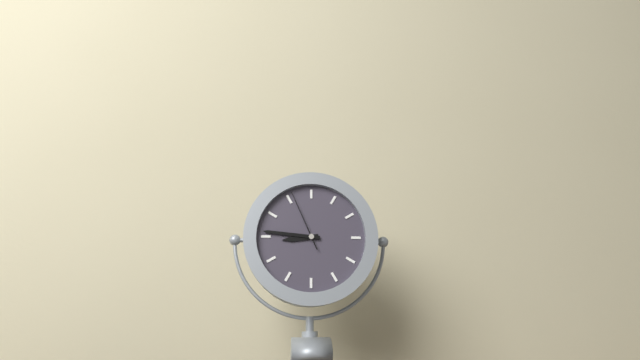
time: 8:46:56
